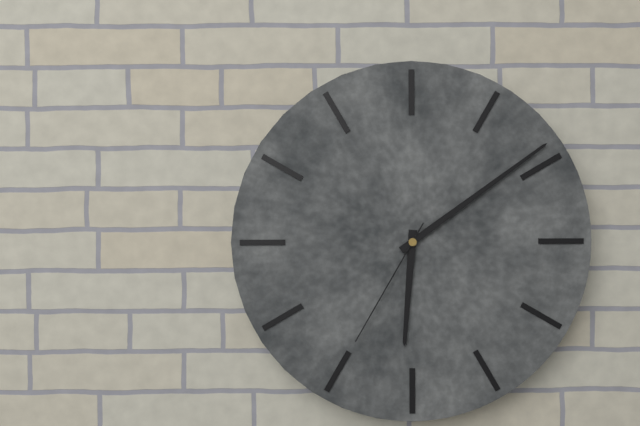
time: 6:09:35
